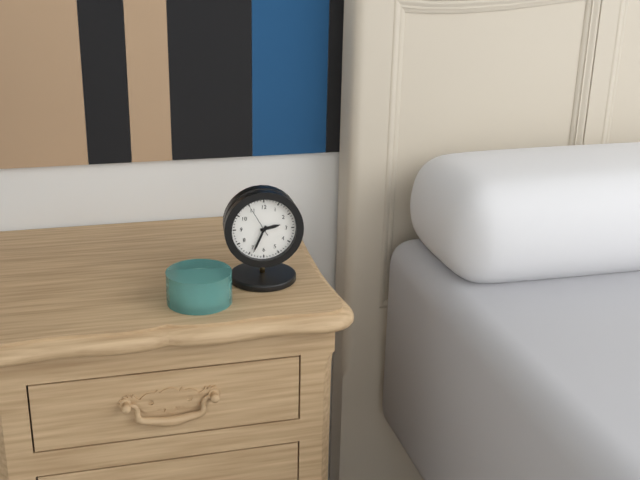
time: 2:34
